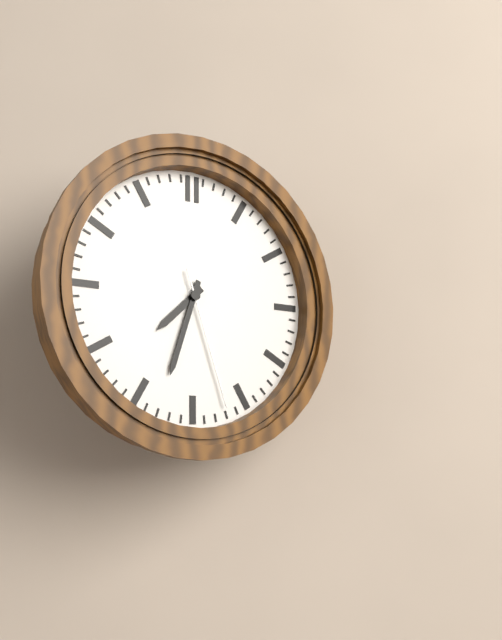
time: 7:33:27
